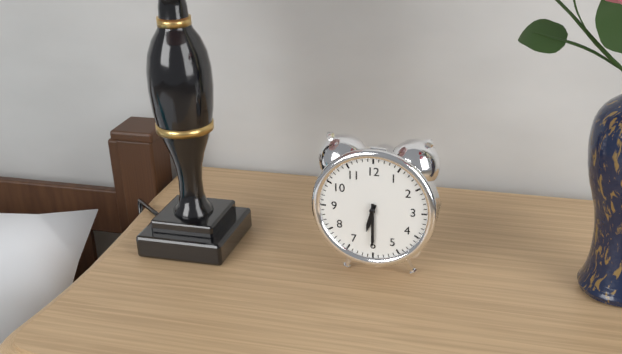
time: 6:30
